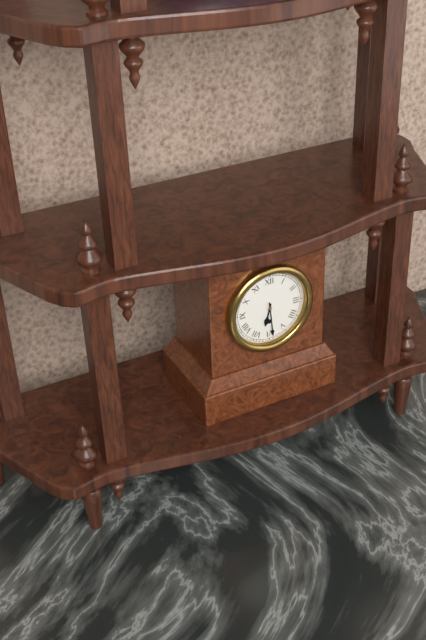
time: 6:29
